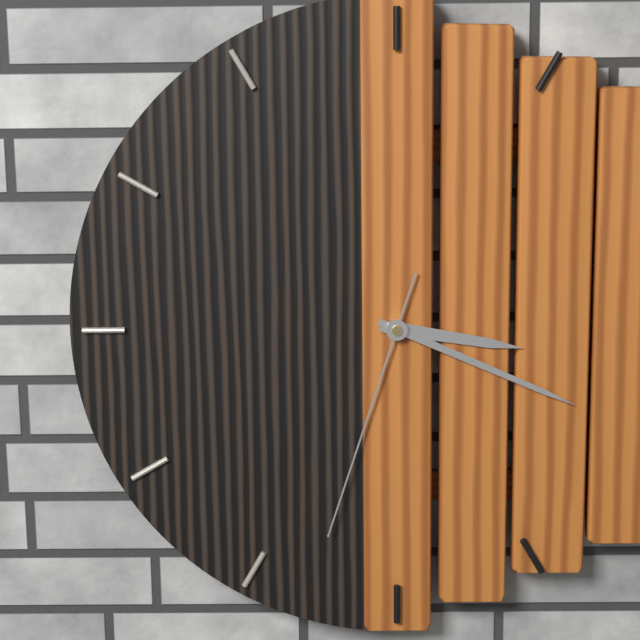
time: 3:19:33
